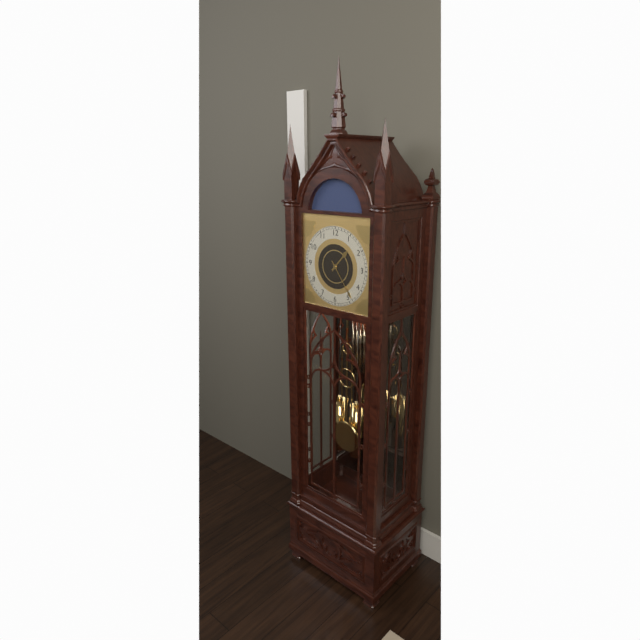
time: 1:24
